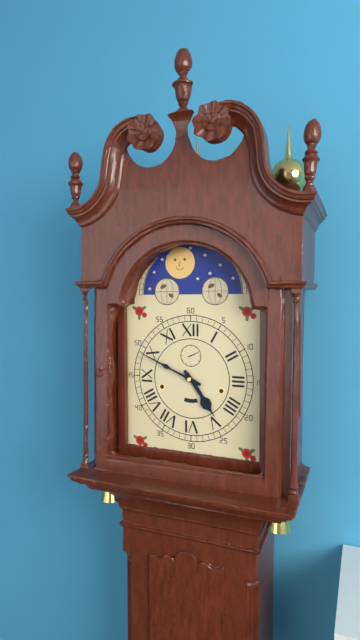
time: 4:49
